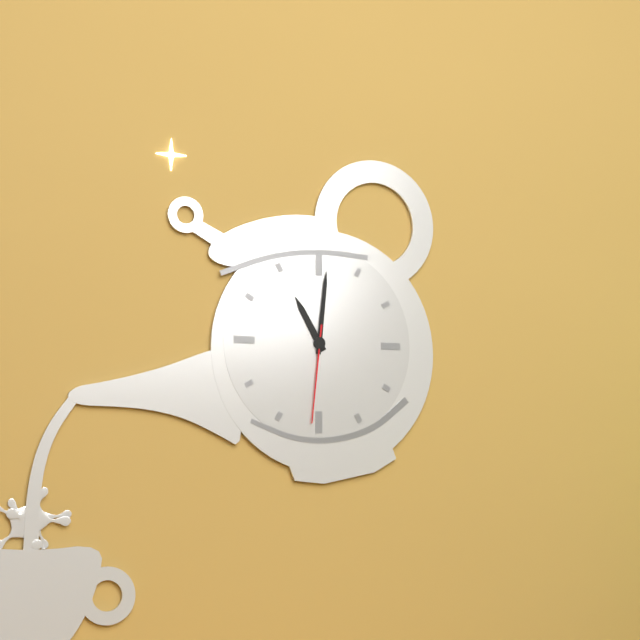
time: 11:01:31
